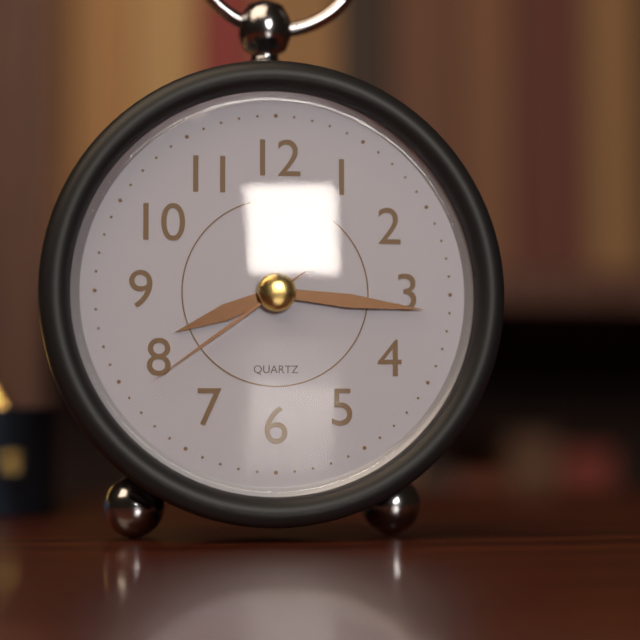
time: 8:16:39
